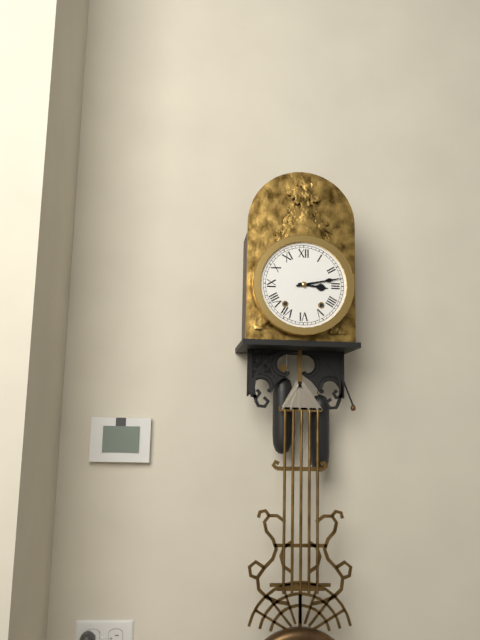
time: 3:13
